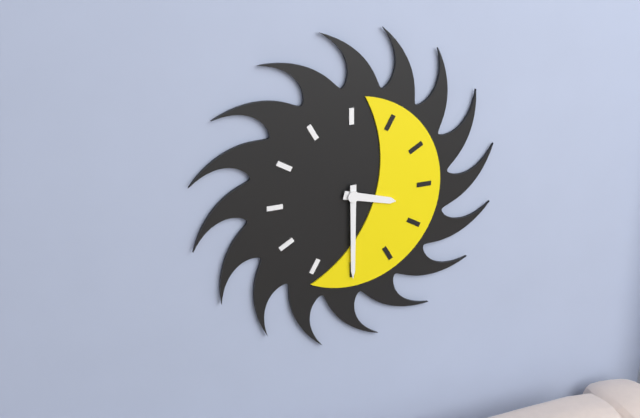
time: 3:30
